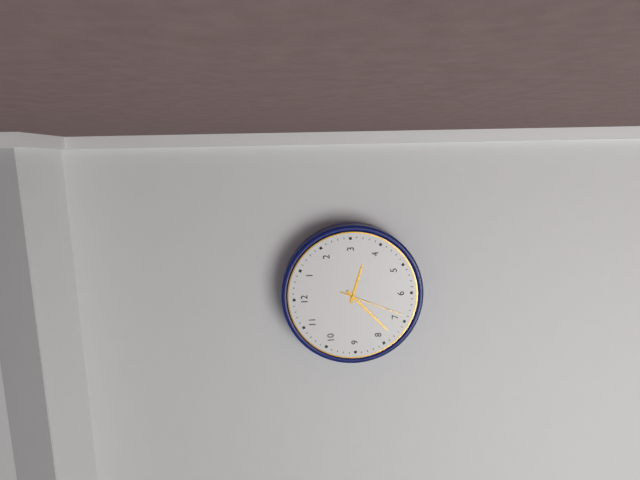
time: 3:38:34
